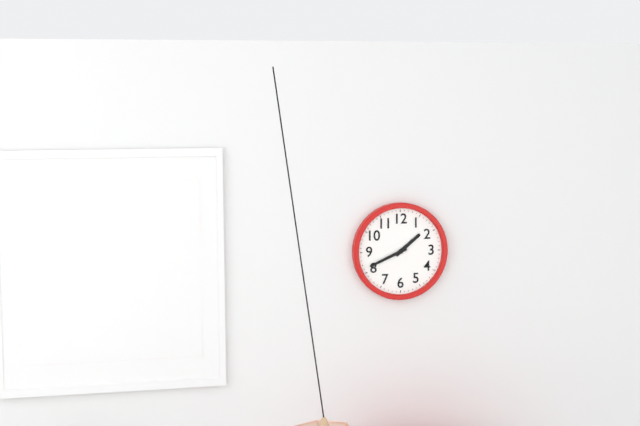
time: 1:41
